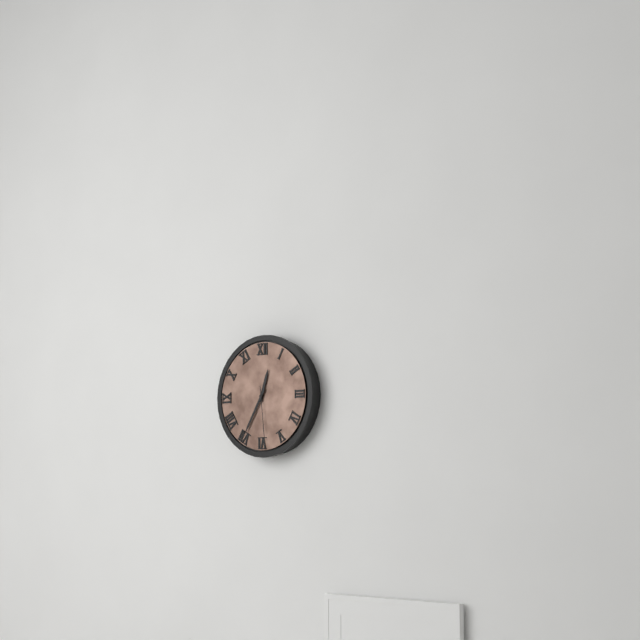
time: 12:35:29
